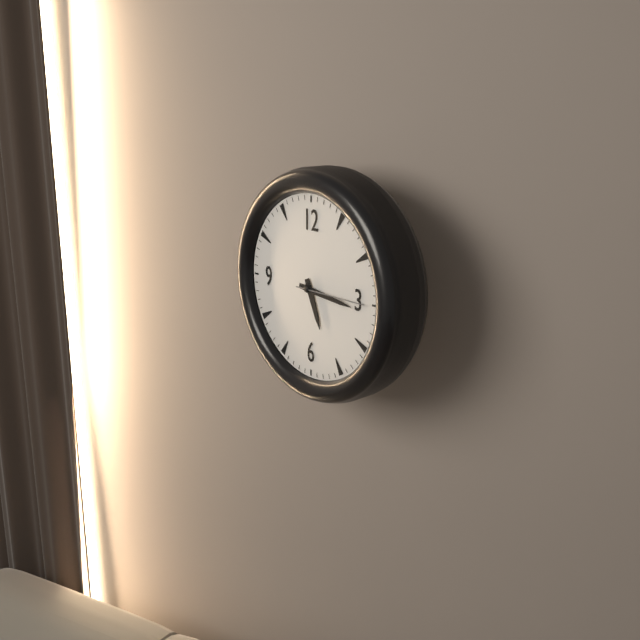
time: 5:16:15
